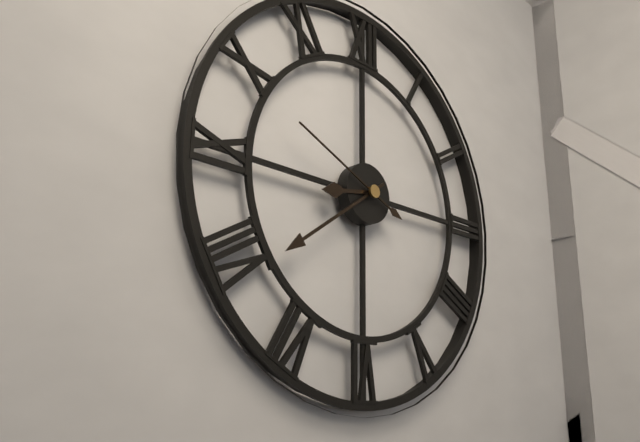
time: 8:39:49
